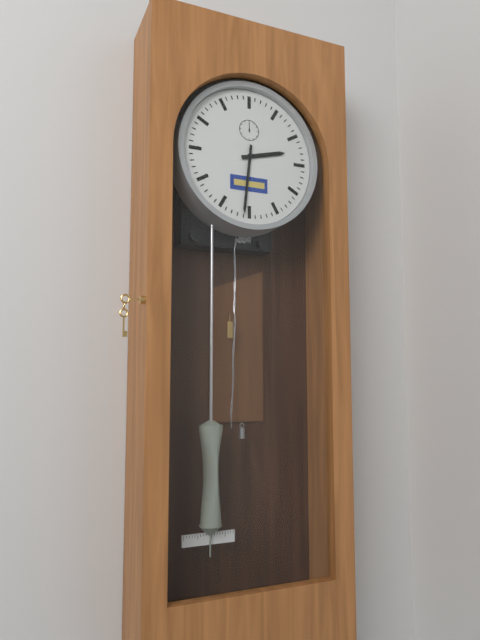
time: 2:31
